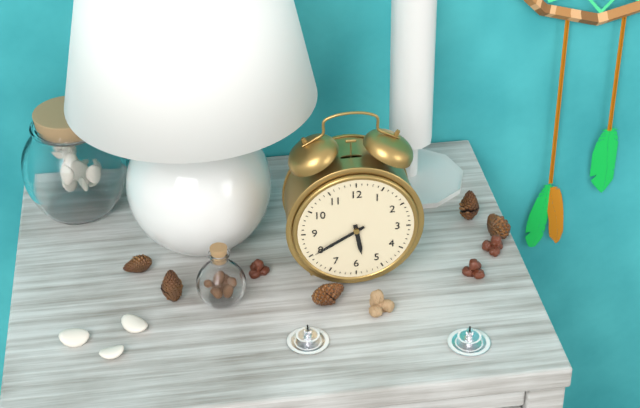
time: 5:40
